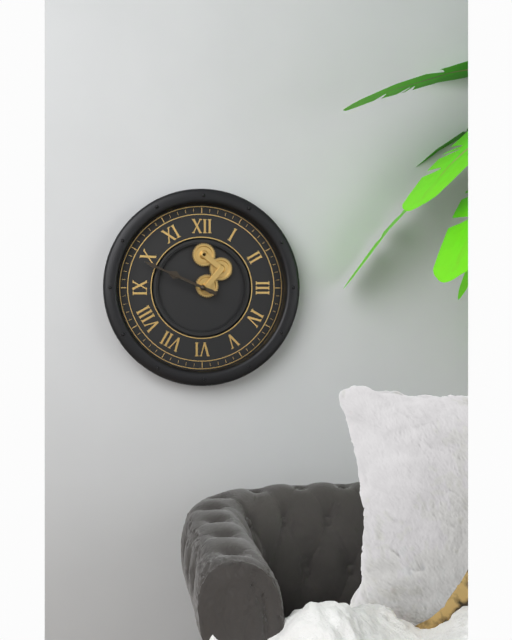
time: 9:49
